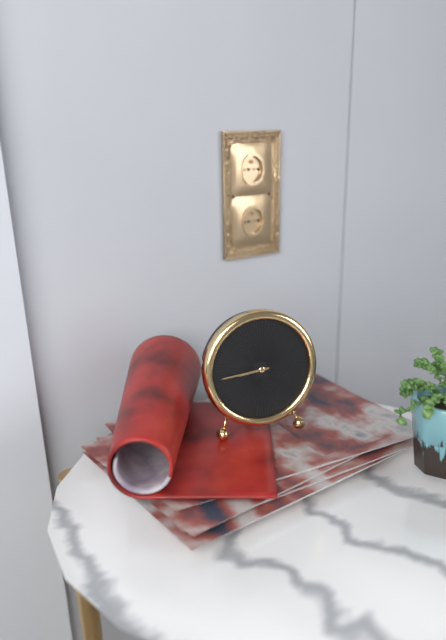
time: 8:44
